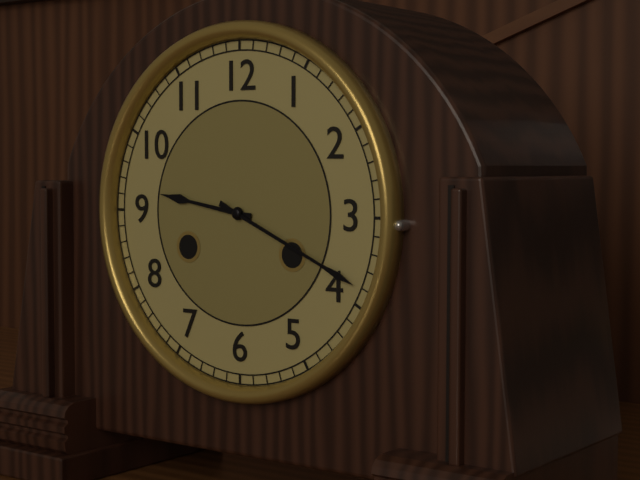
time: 9:19
